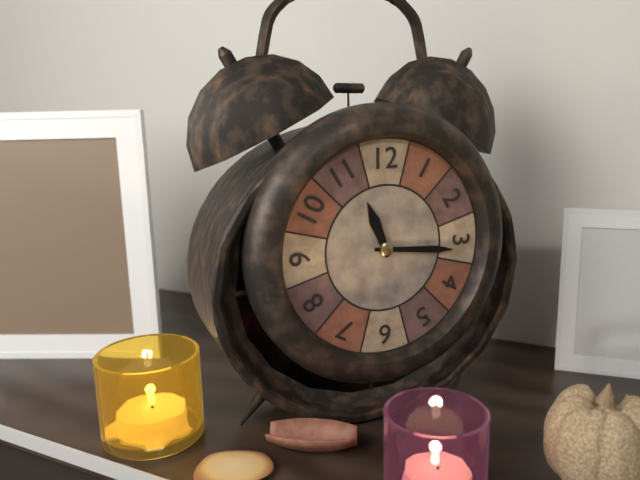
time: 11:16
